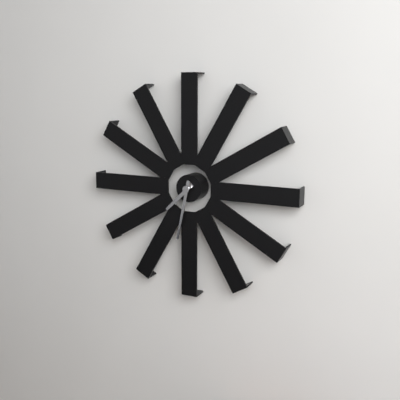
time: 7:32
